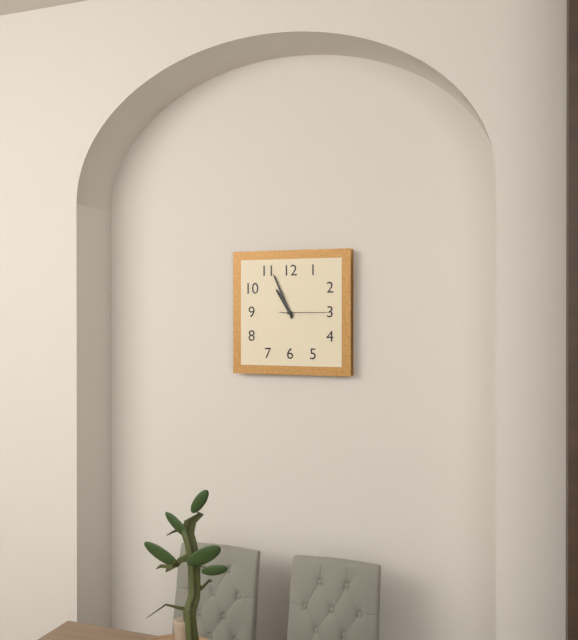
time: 10:56:15
